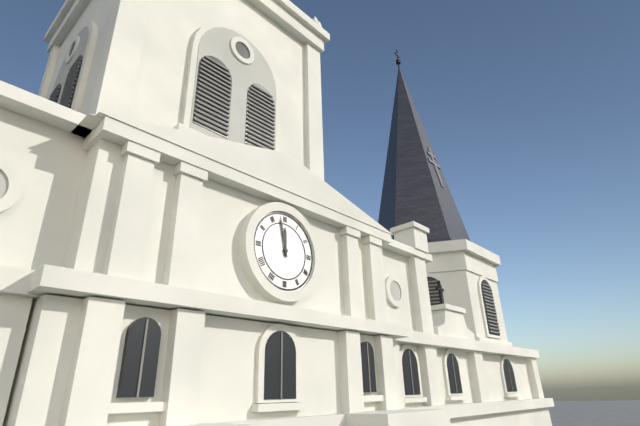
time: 11:58
